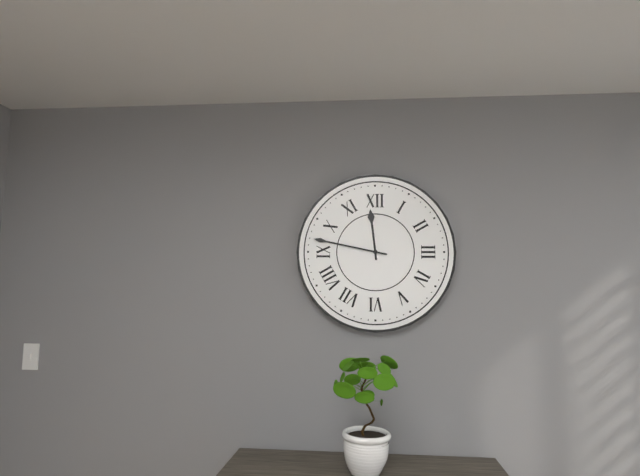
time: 11:47
